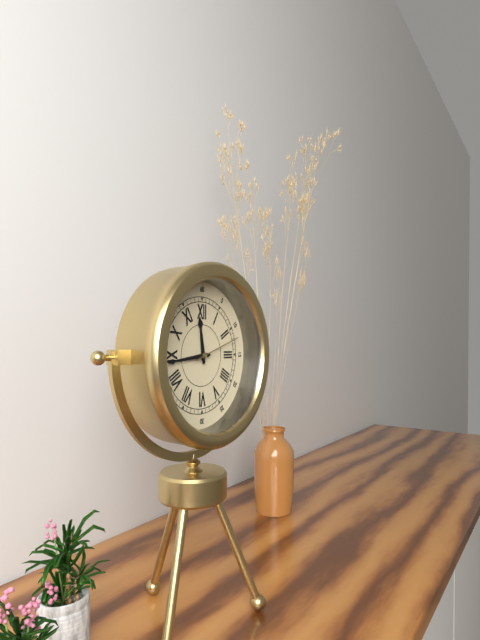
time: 11:44:12
